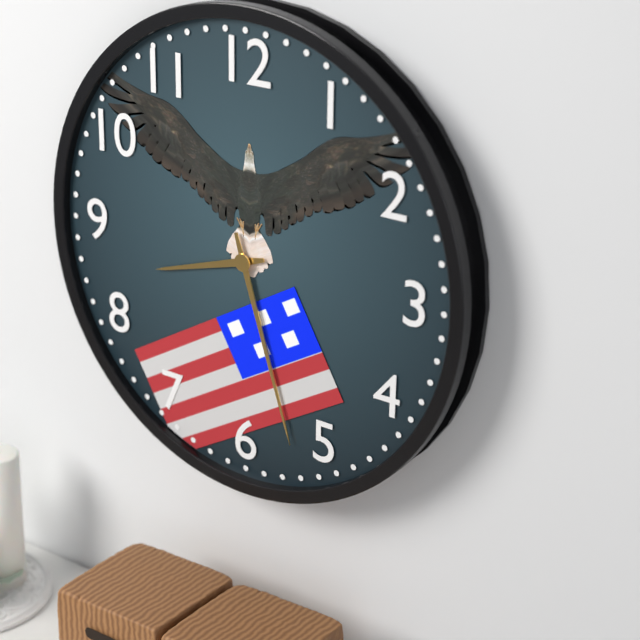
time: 8:27
